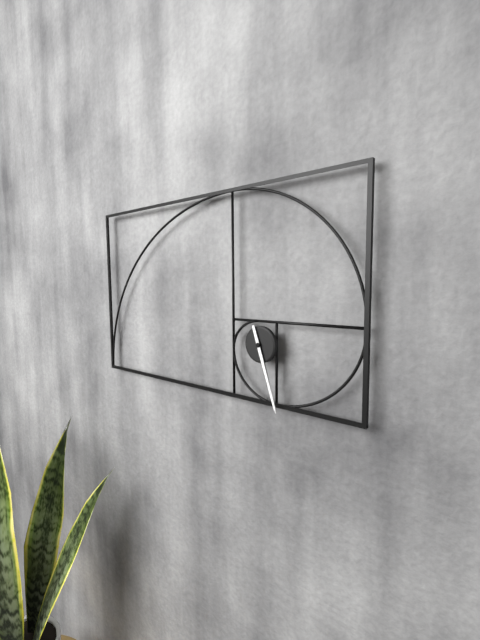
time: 5:27
